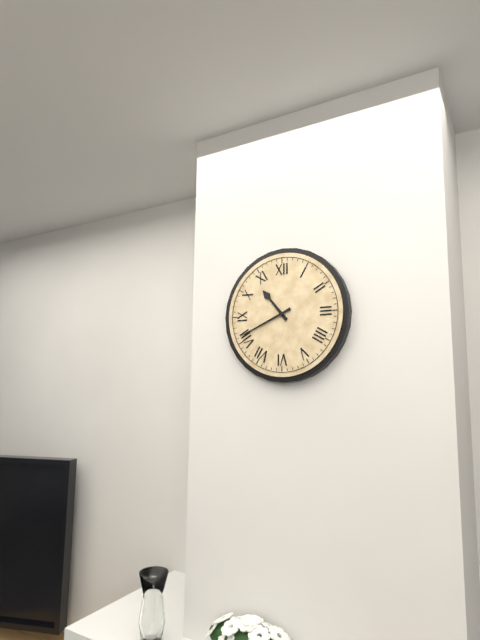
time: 10:41
